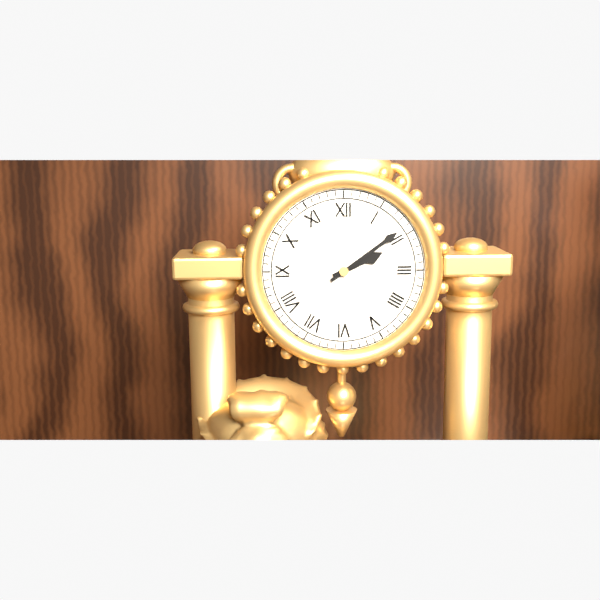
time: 2:09
